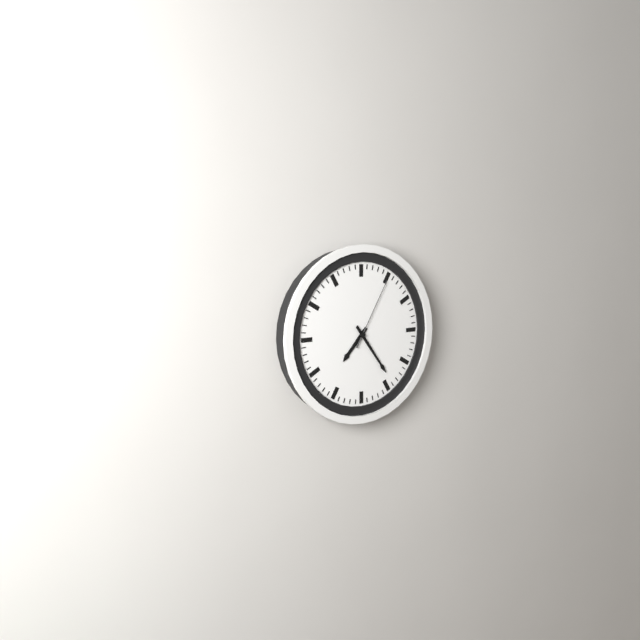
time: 7:24:05
